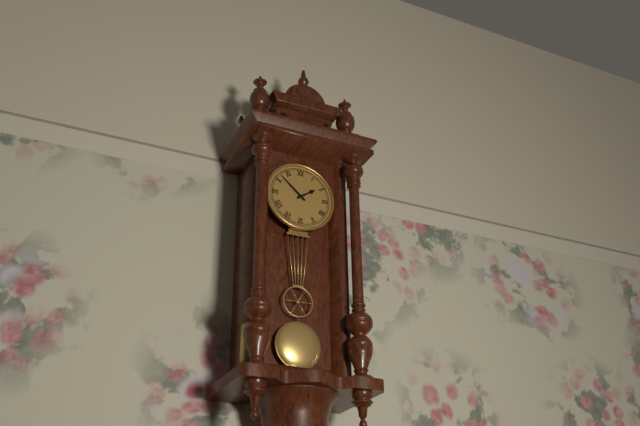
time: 1:52
